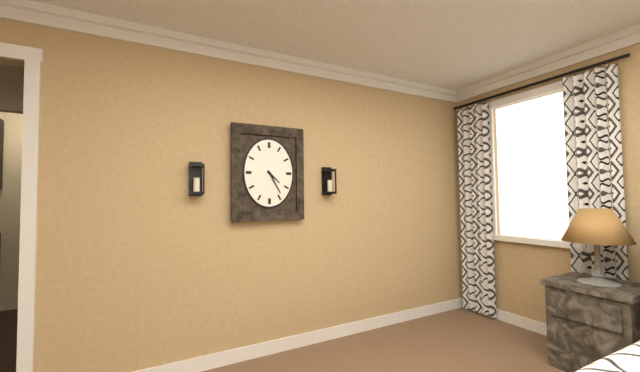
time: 4:25
